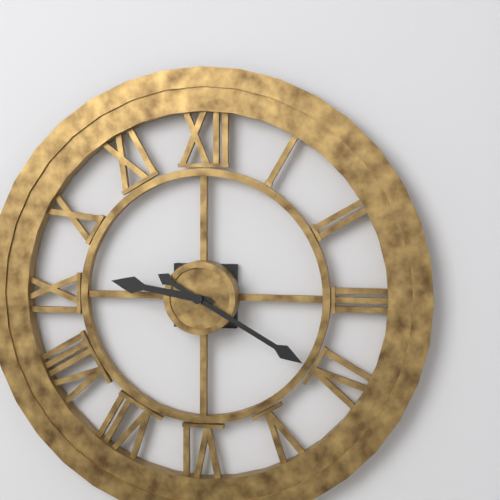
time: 9:20
